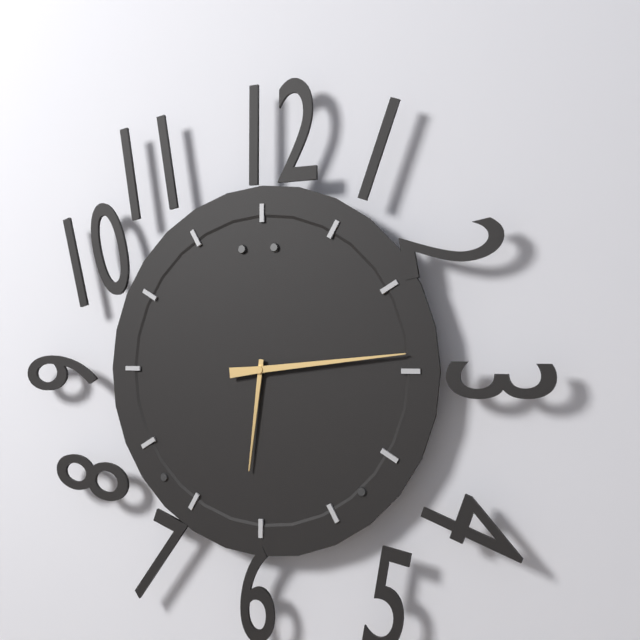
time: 6:14
